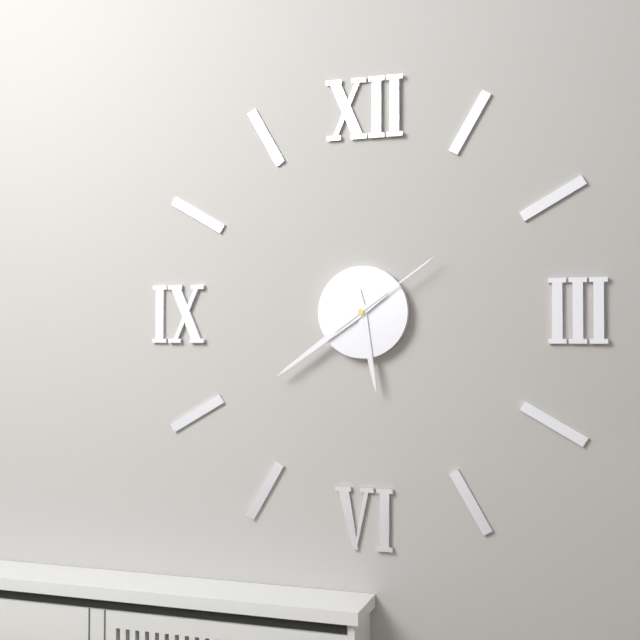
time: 5:39:09
